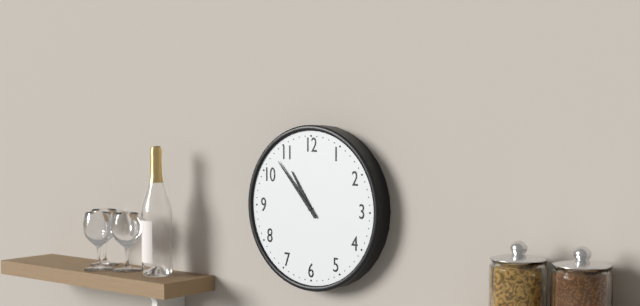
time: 10:53
